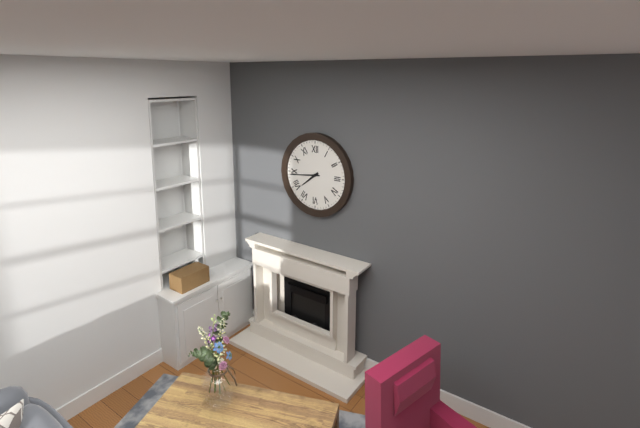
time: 7:44
